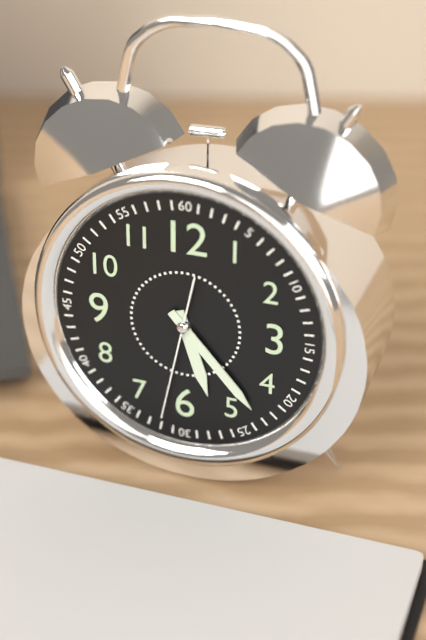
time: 5:23:32
